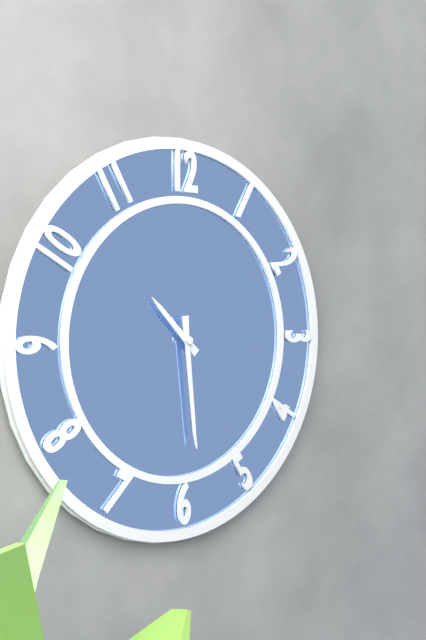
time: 10:29:29
